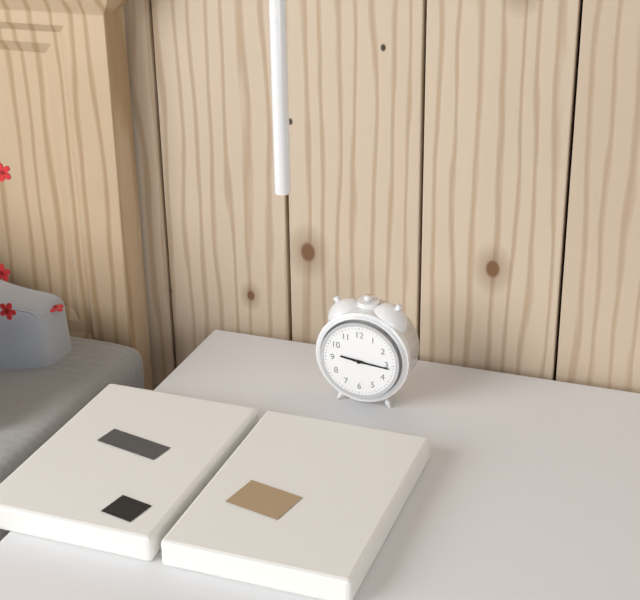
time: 9:16
